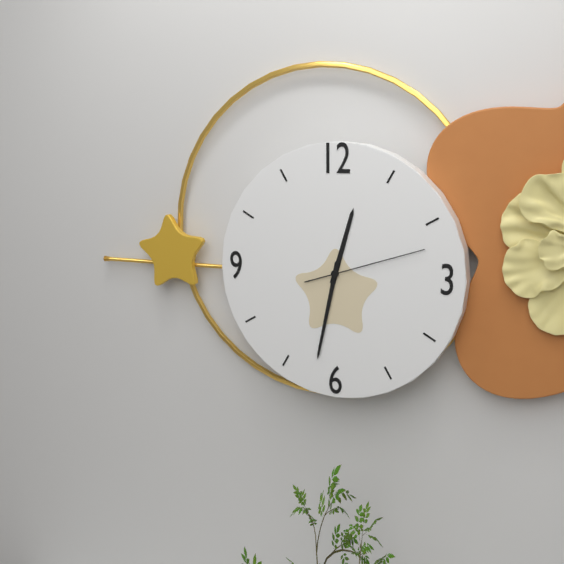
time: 12:32:12
